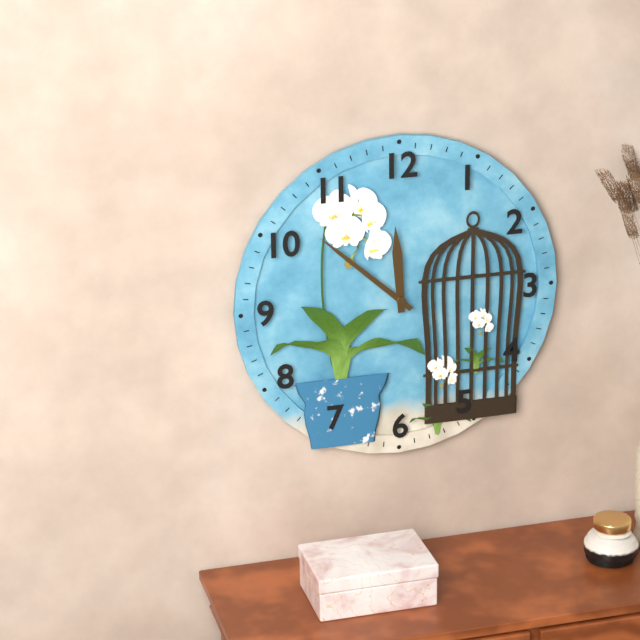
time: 11:52
